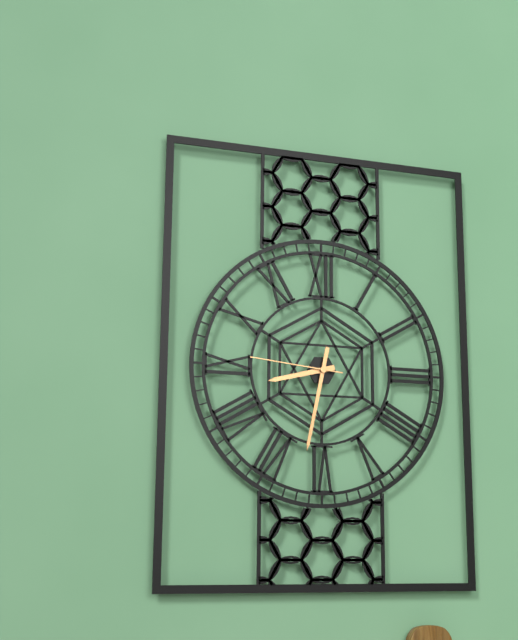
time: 8:32:46
